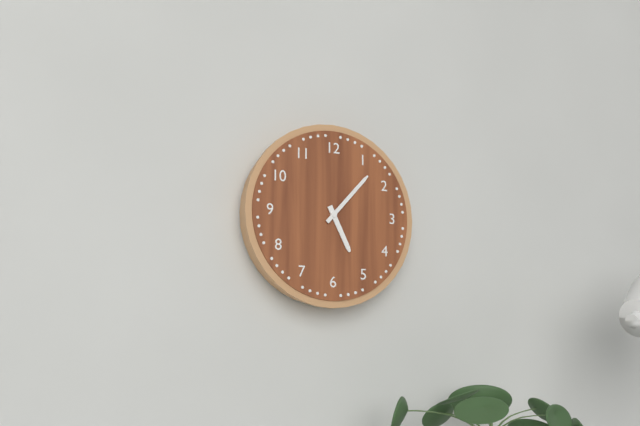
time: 5:07
